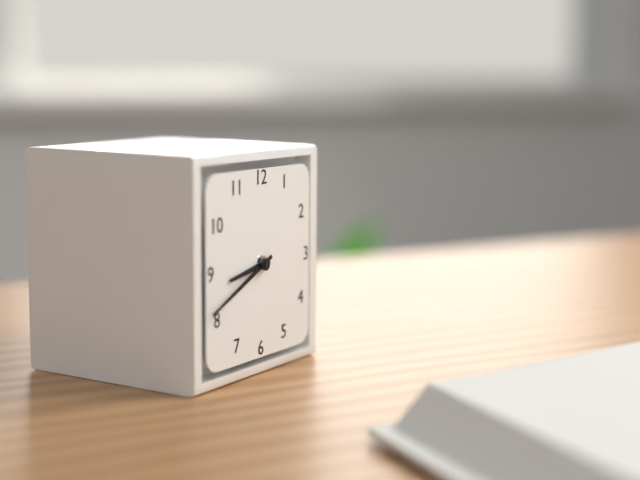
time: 8:41
